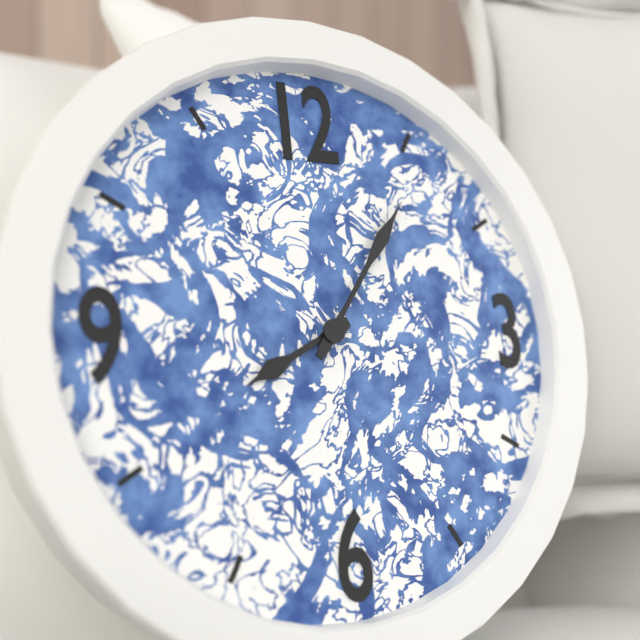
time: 8:06
